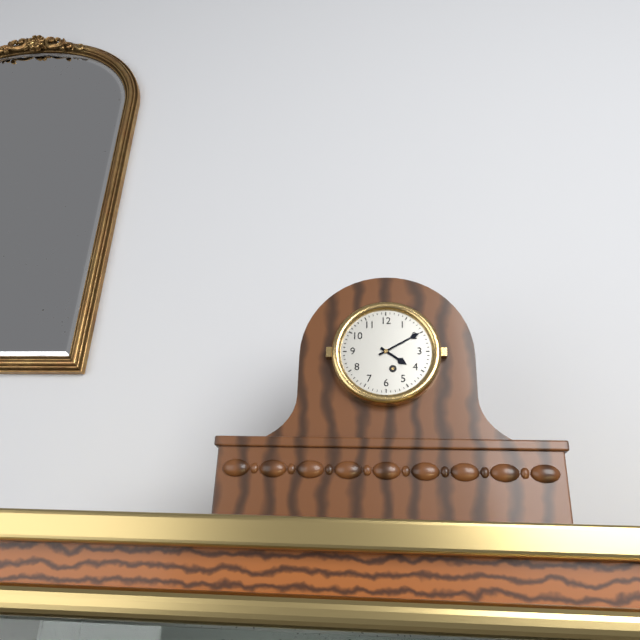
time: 4:10
